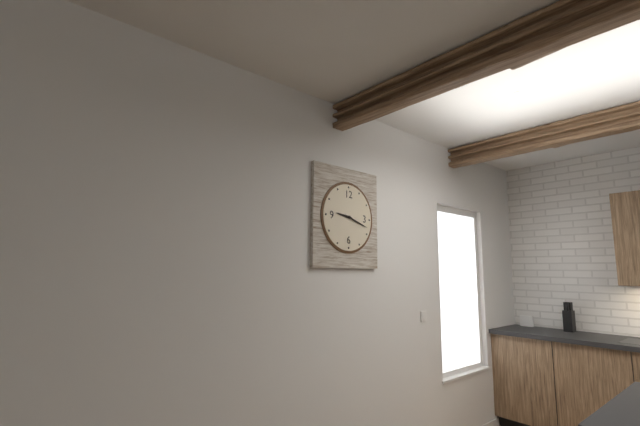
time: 9:18
